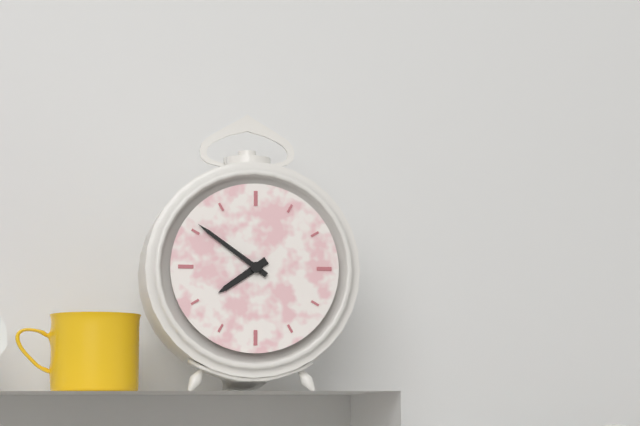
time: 7:51
